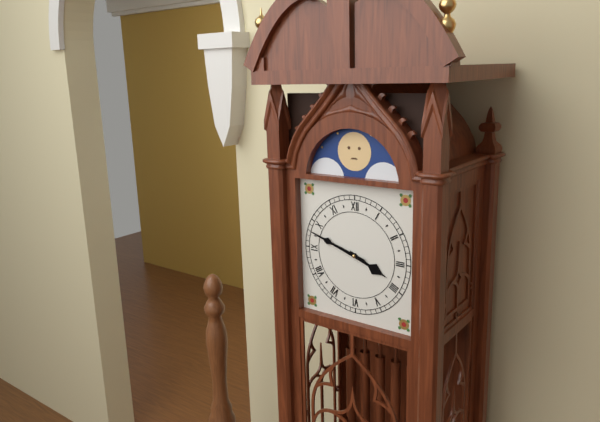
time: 3:48
